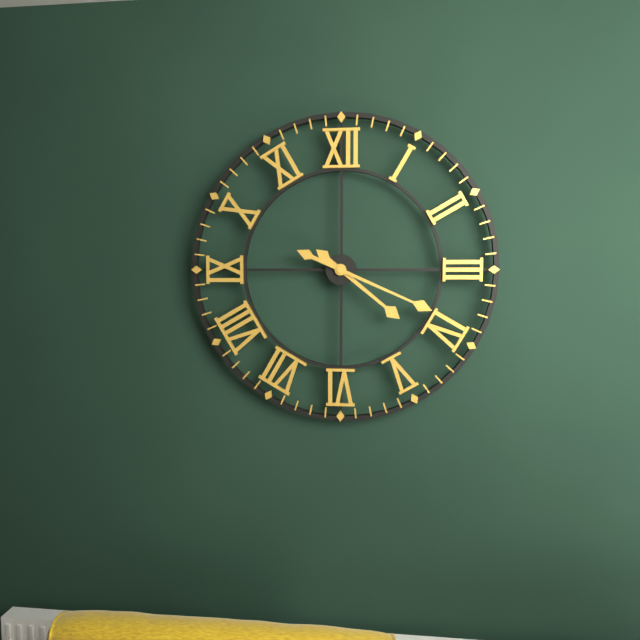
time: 4:19
